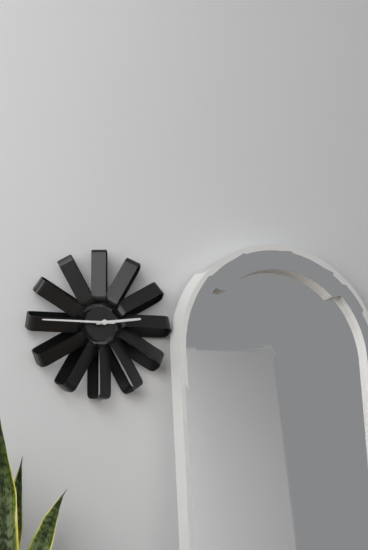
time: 2:45
